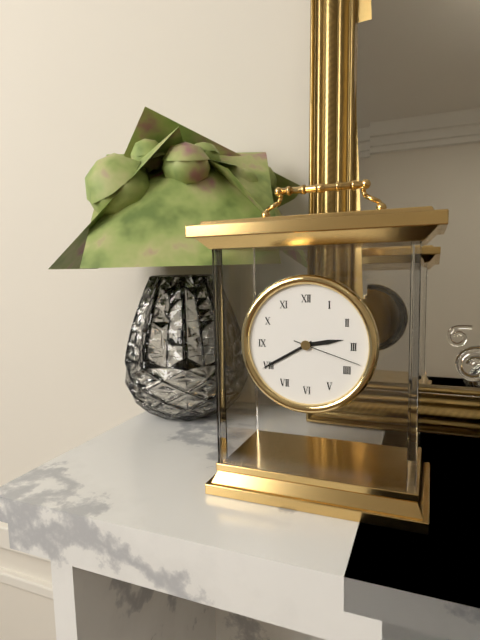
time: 2:40:18
